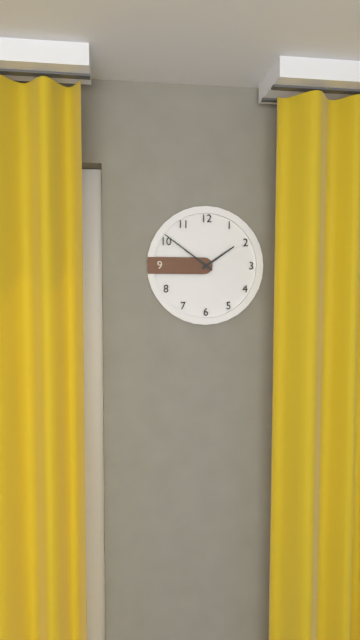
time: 1:51
